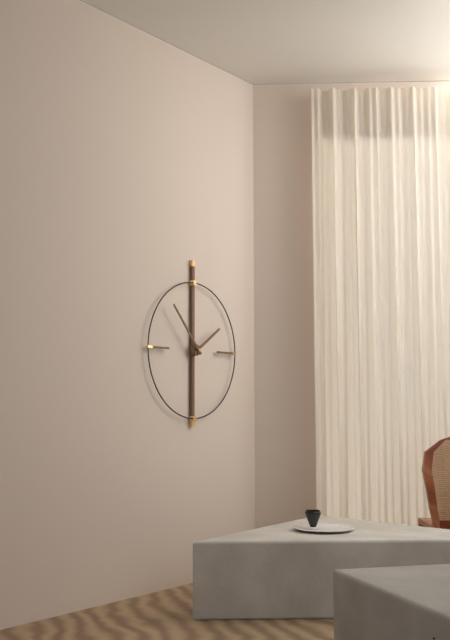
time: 1:53
